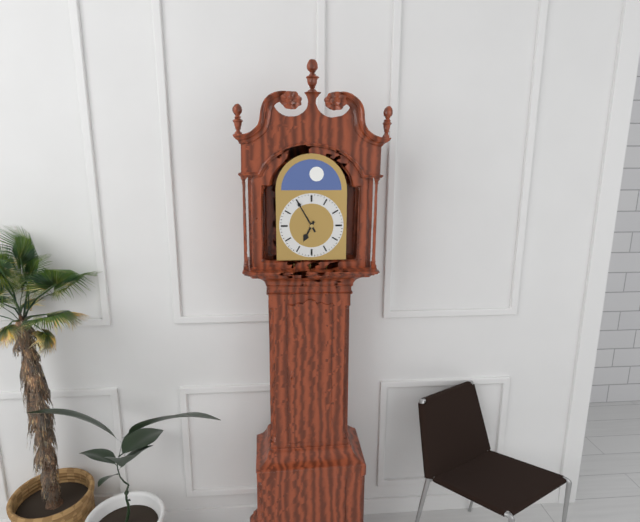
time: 6:55
